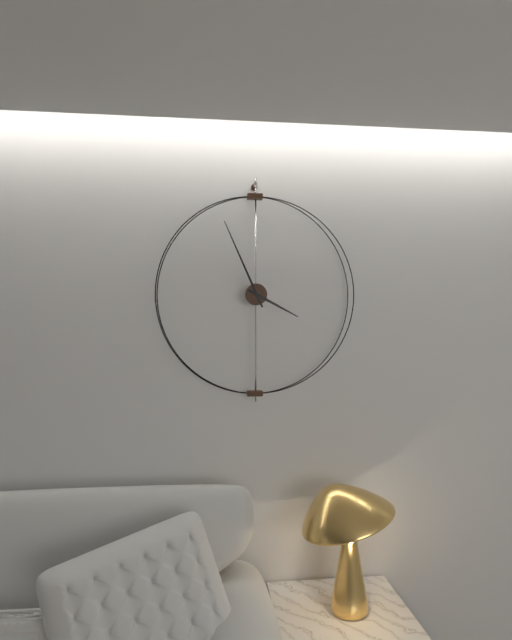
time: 3:56
